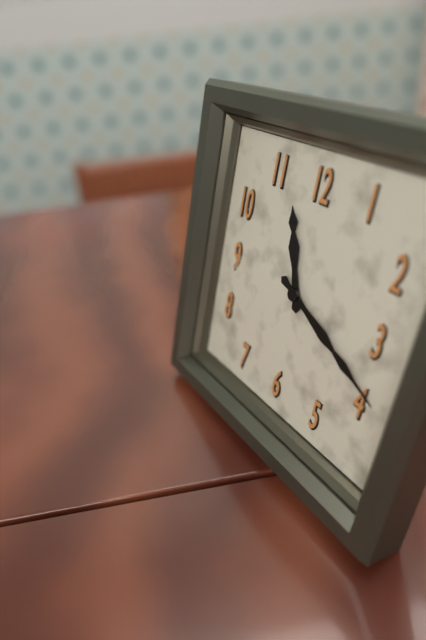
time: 11:19
